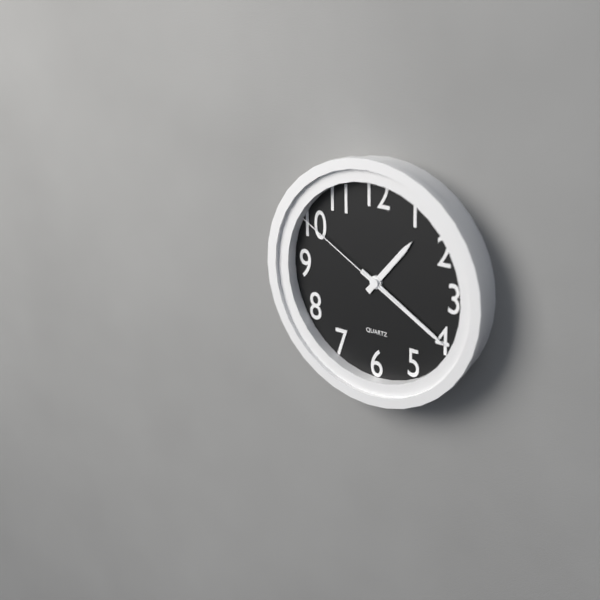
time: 1:20:50
